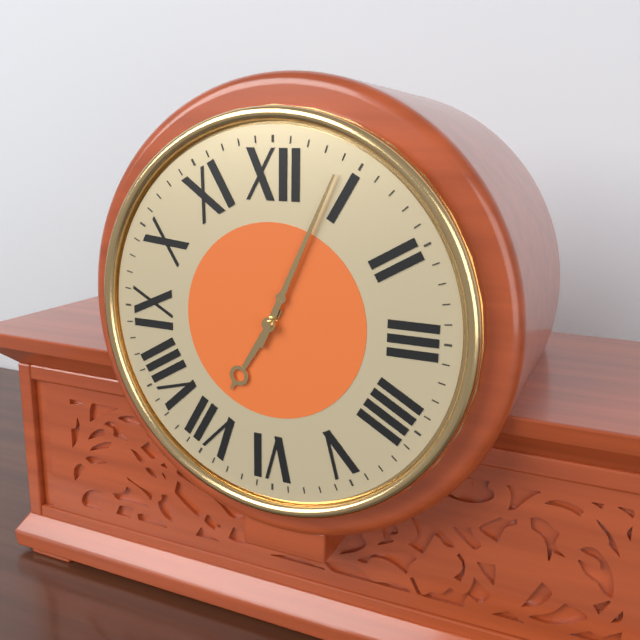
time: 7:04
